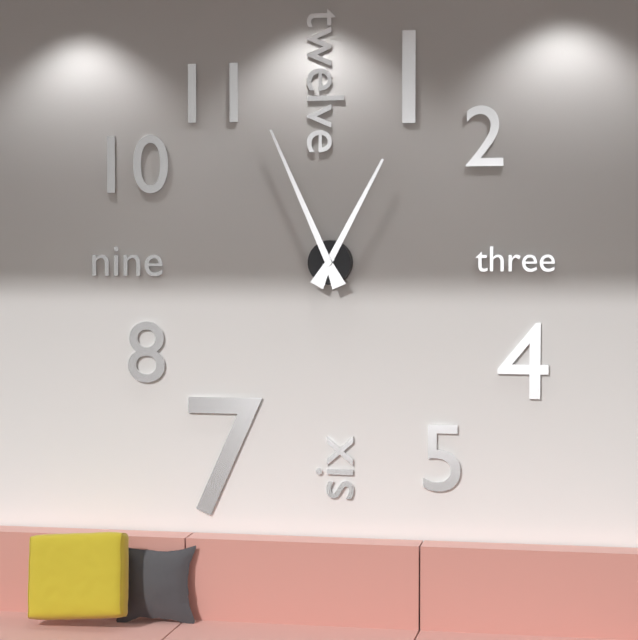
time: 12:56
